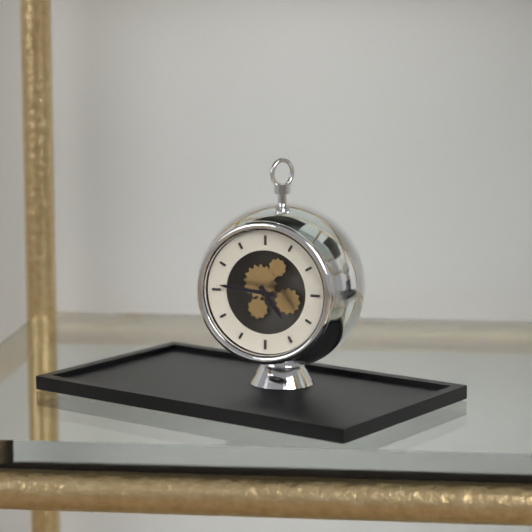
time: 4:46
